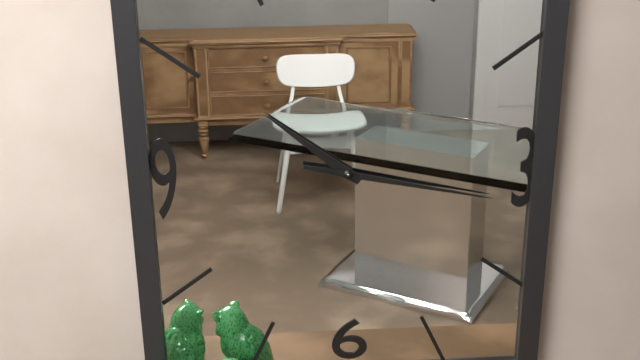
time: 10:17
